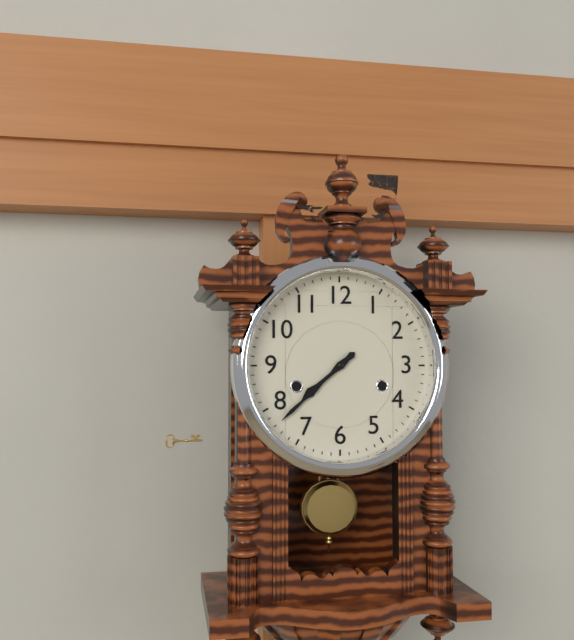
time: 7:38
